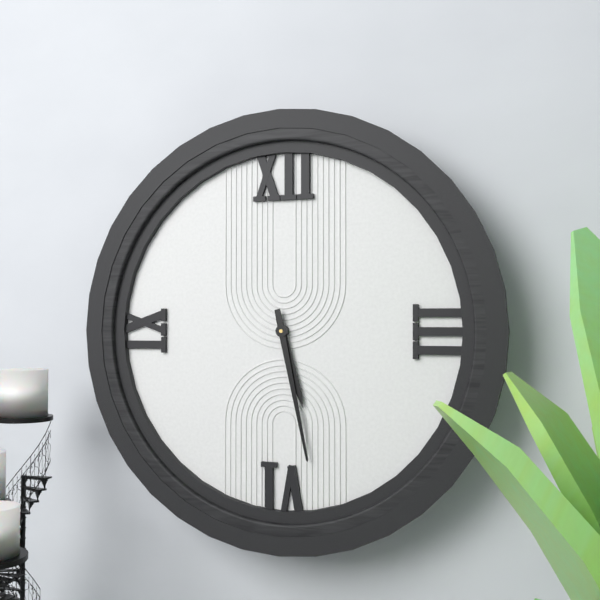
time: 5:28
